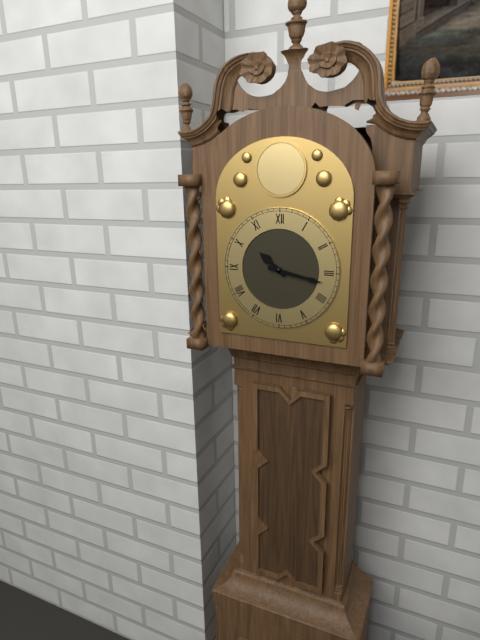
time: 10:17
